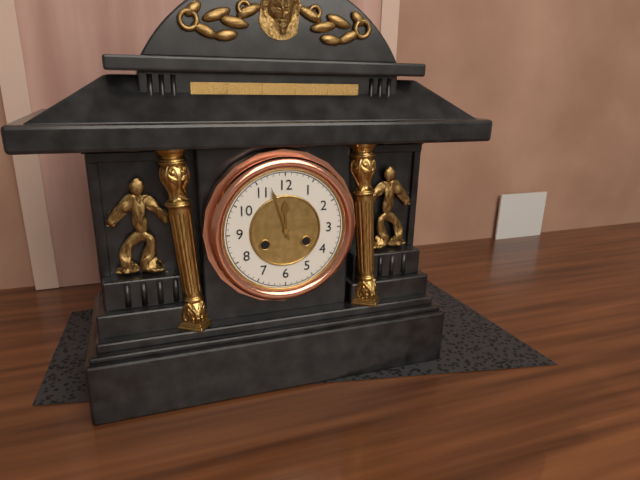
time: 11:57
